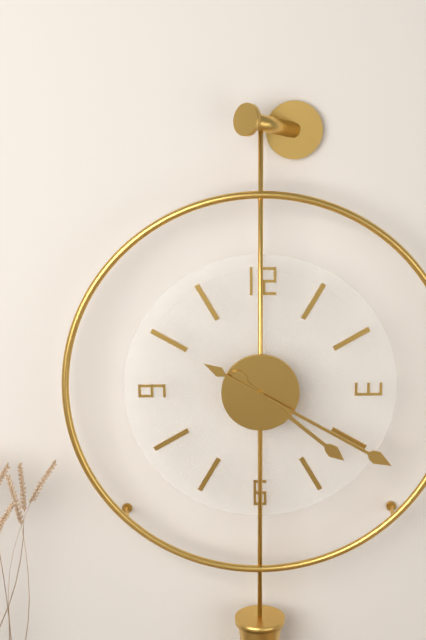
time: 4:20
